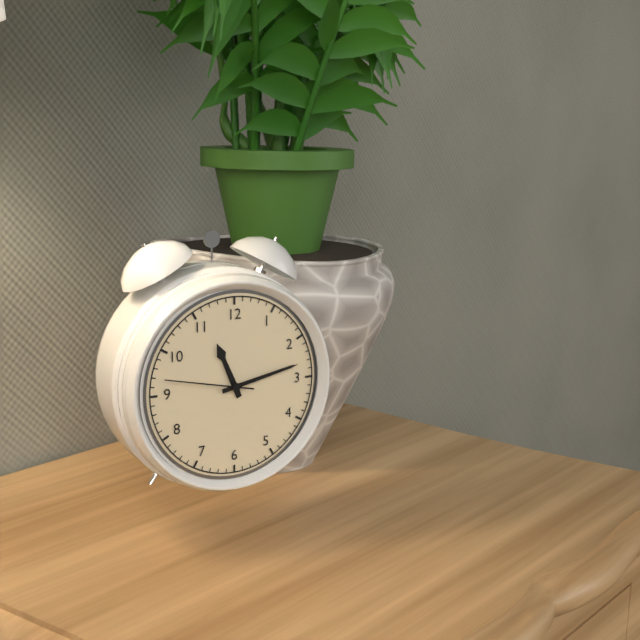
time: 11:13:47
